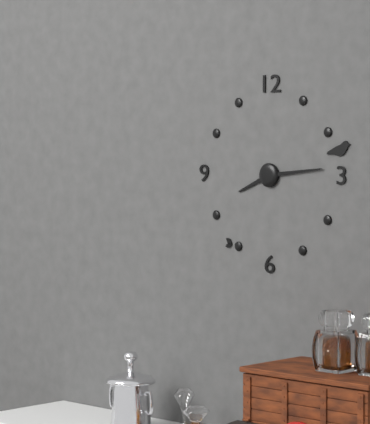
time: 8:14
